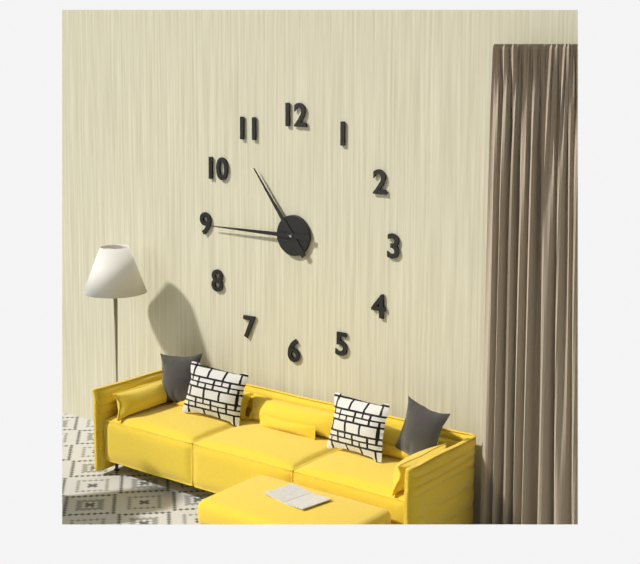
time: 10:45
